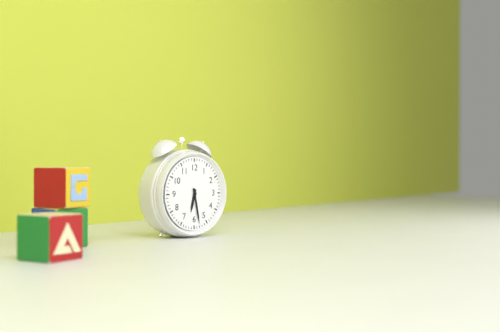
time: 6:28
